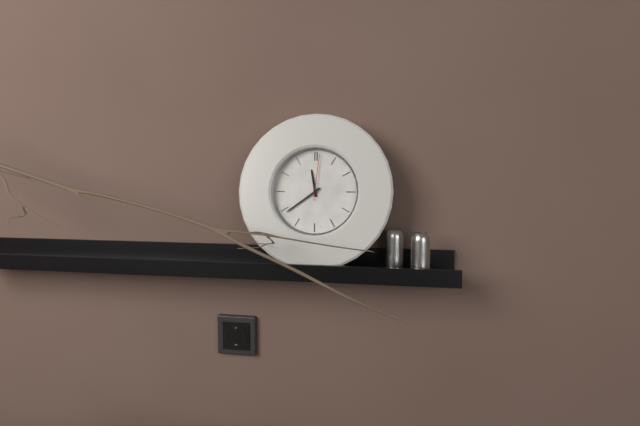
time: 11:39
